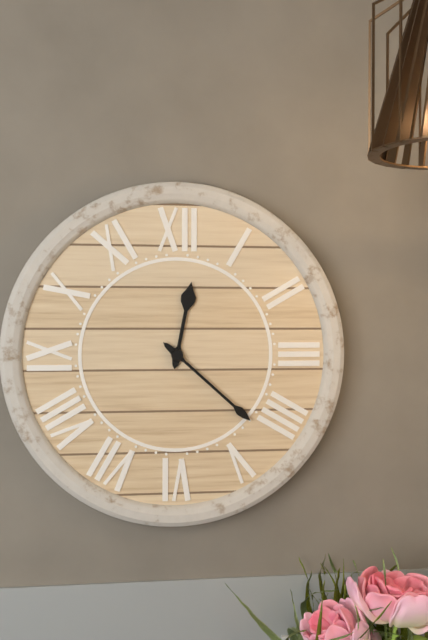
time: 12:22
